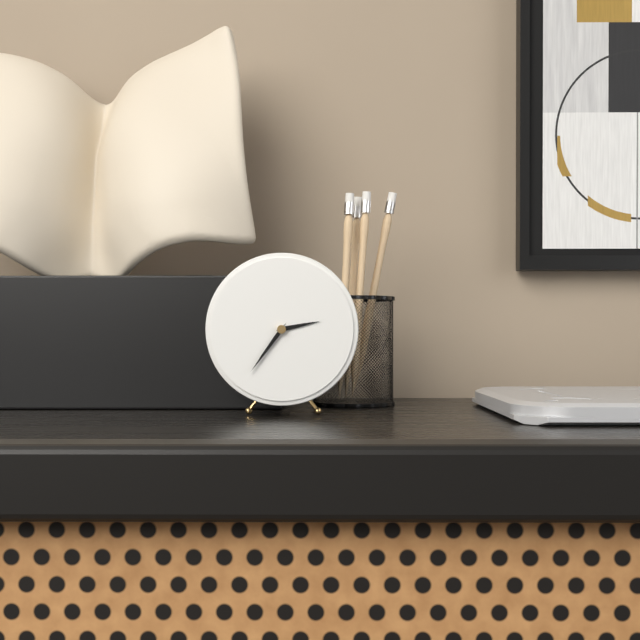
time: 2:36
